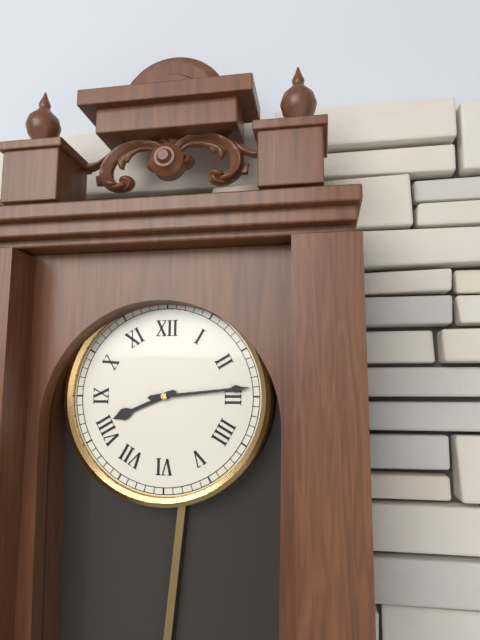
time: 8:14
